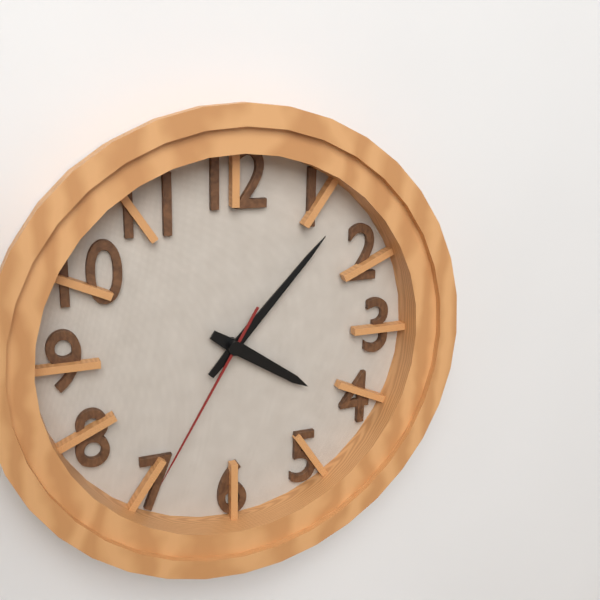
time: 4:07:35
